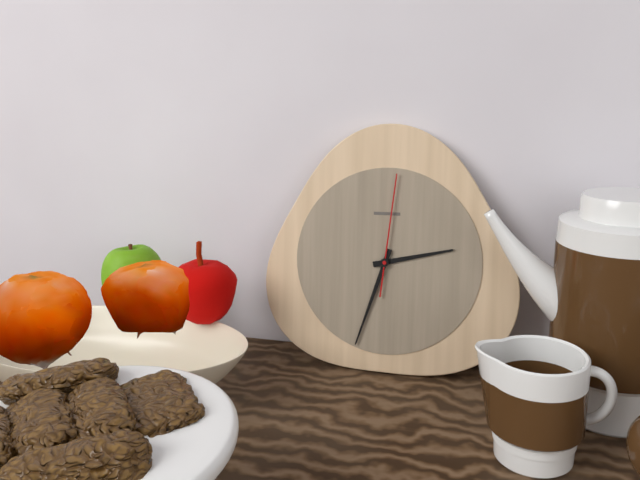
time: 2:33:01
